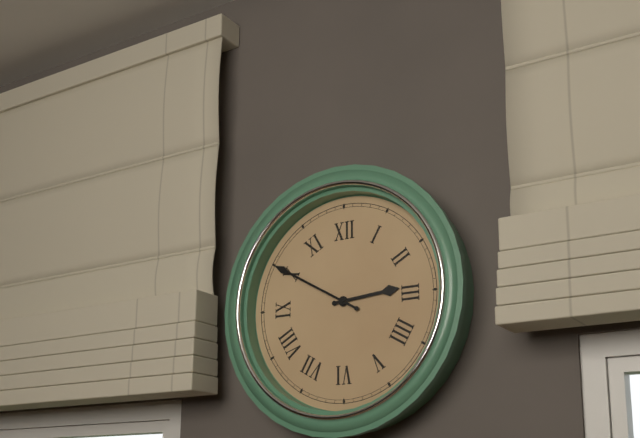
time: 2:50
